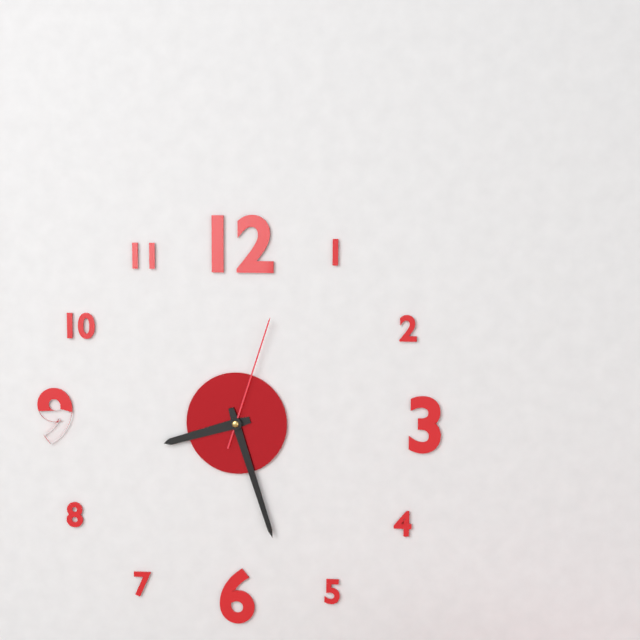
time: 8:27:03
